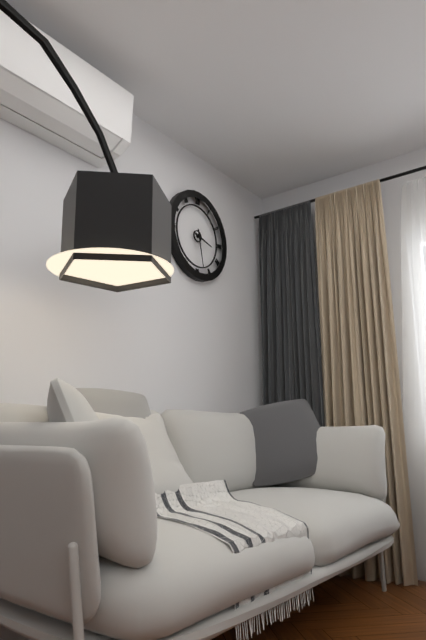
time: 3:28
